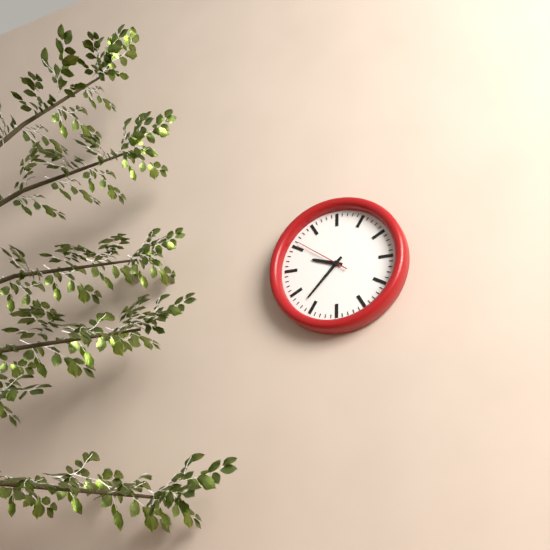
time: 9:37:51
